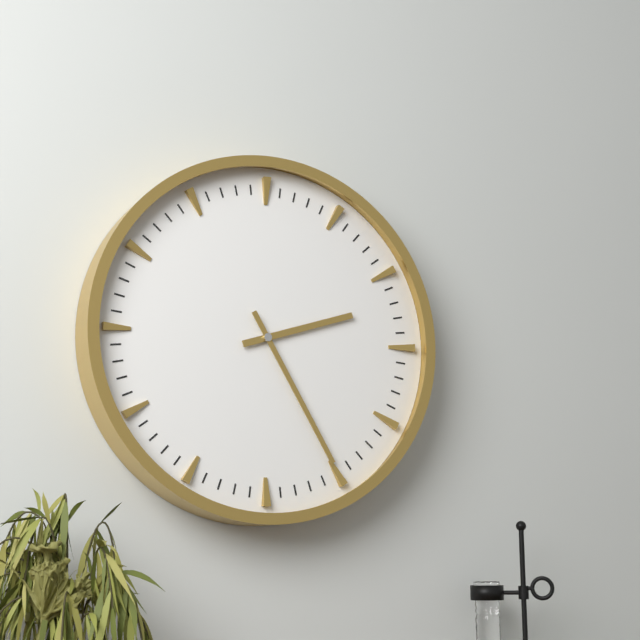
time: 2:25
